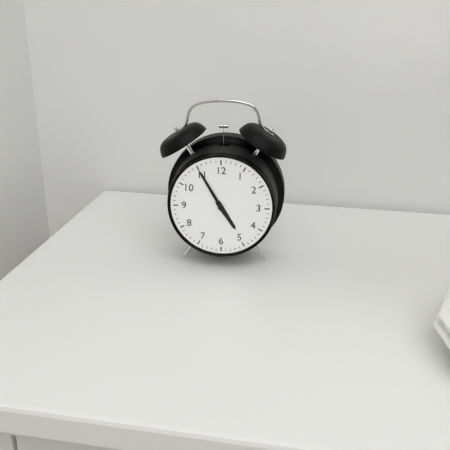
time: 4:55
